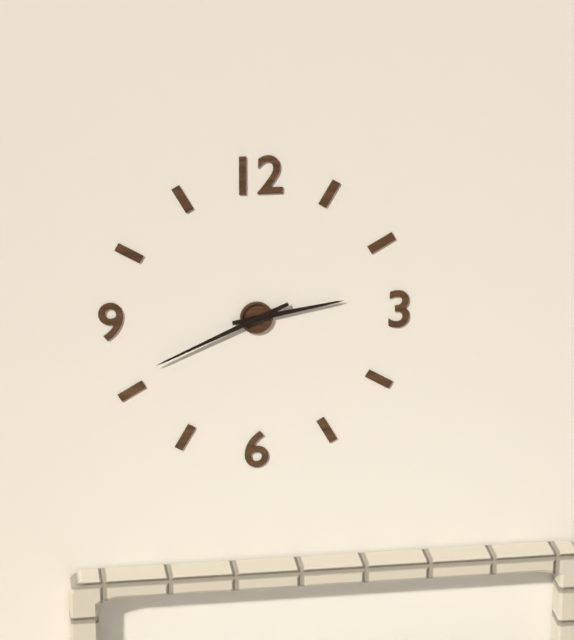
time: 2:41
